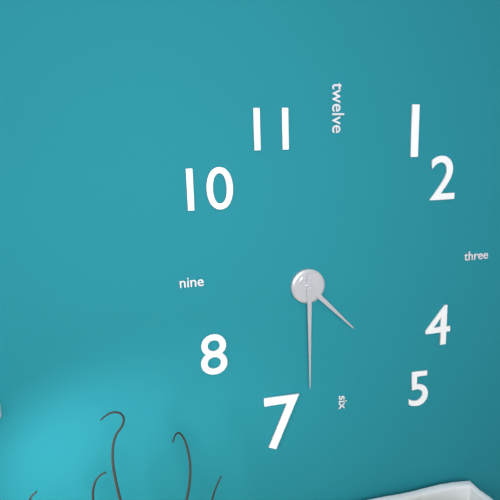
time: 4:30
